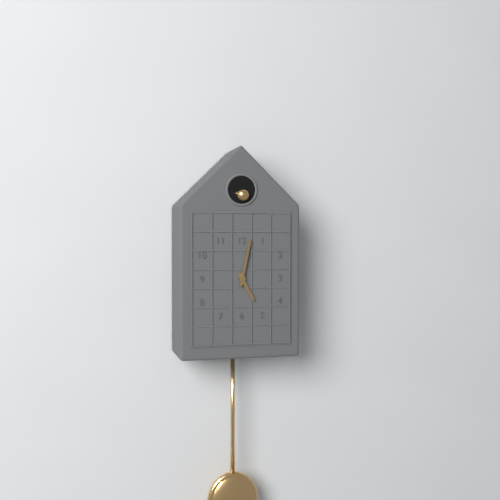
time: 5:02
